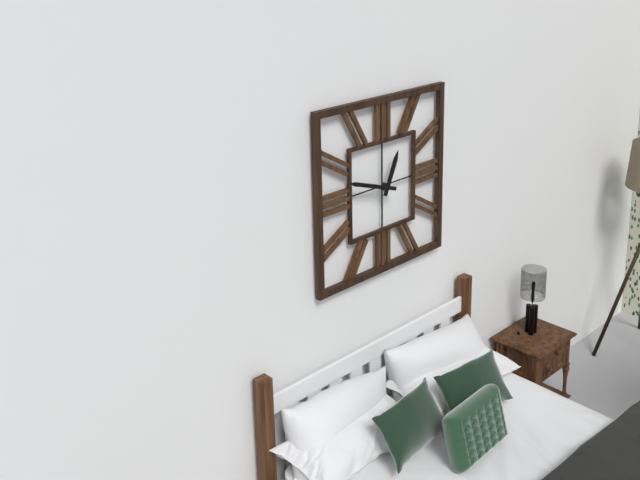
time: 12:48
